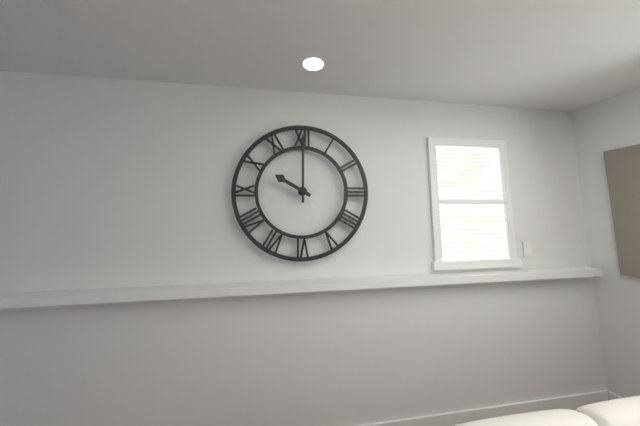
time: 10:00
